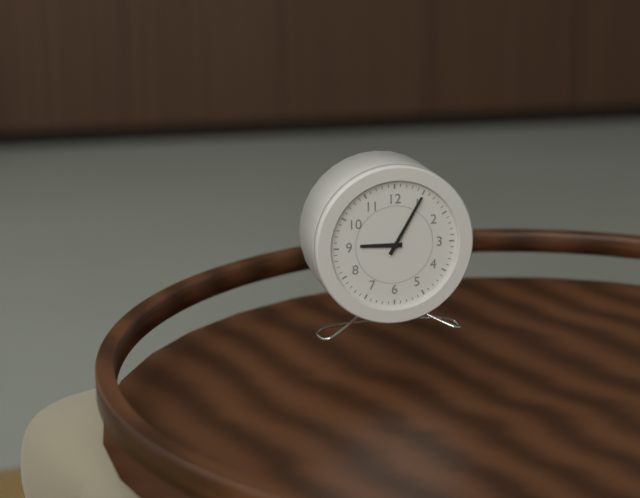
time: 9:05
